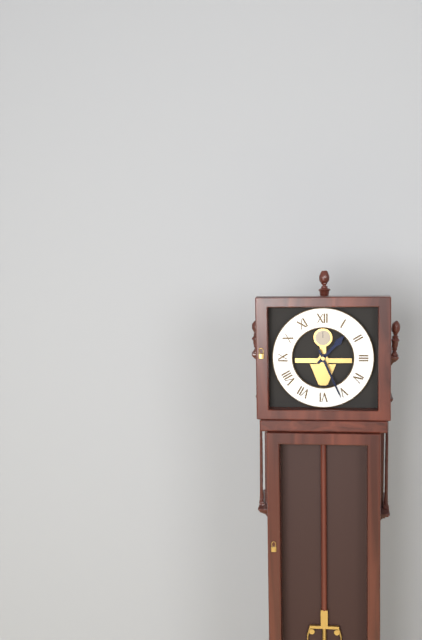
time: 1:26
